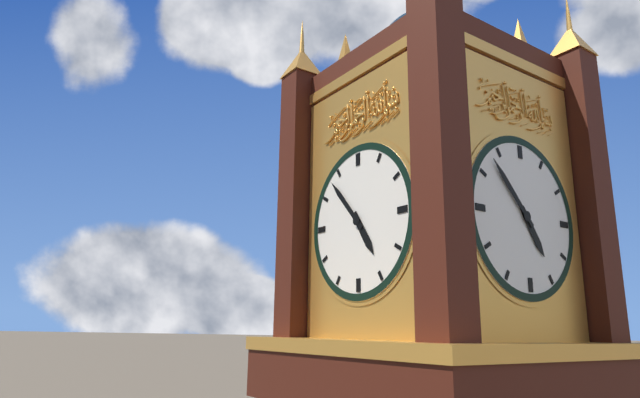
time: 4:53
